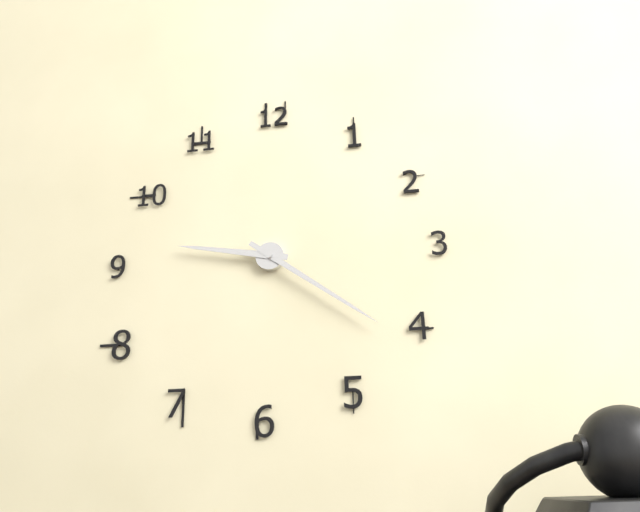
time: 9:21
